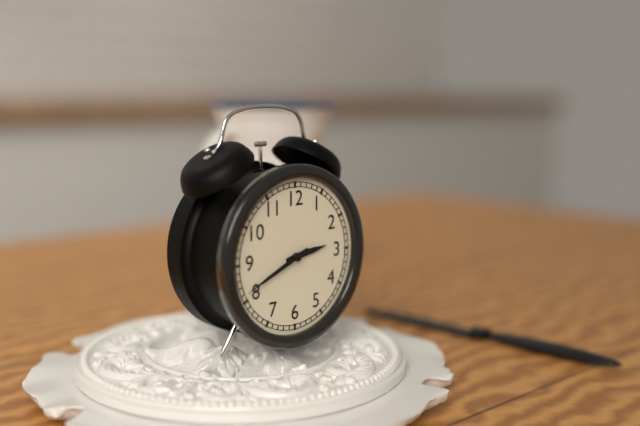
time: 2:41
